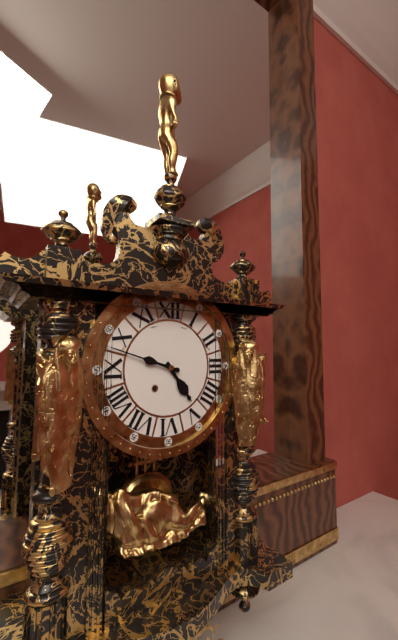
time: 4:48
